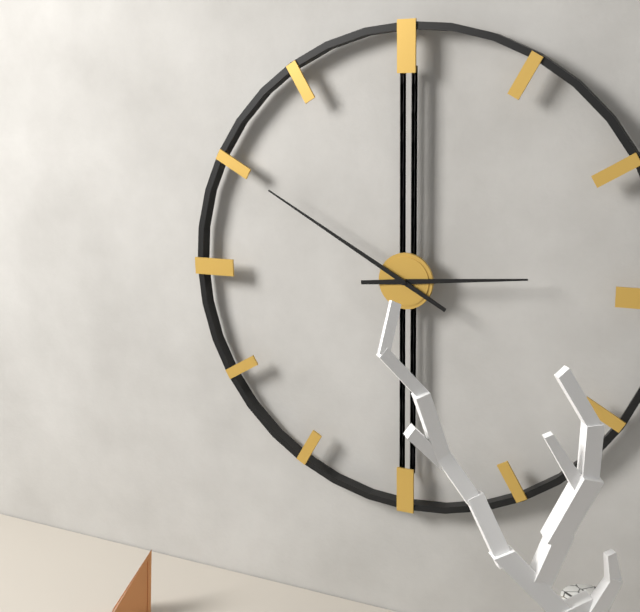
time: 2:50
